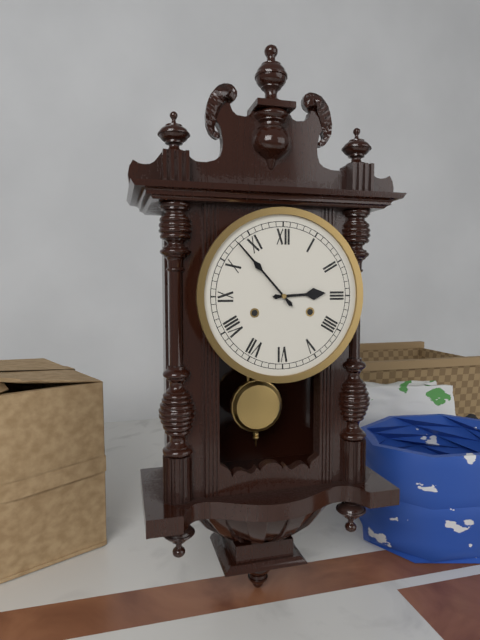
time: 2:53
